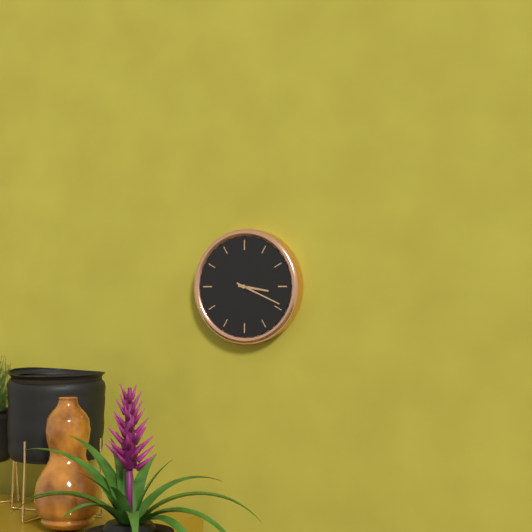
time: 3:19
